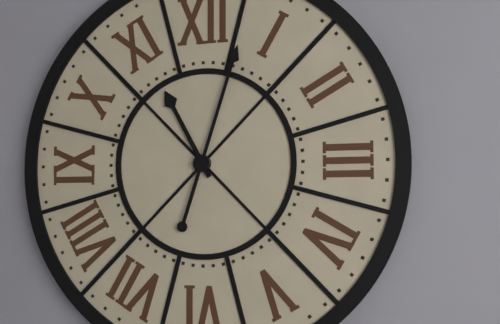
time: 11:03
